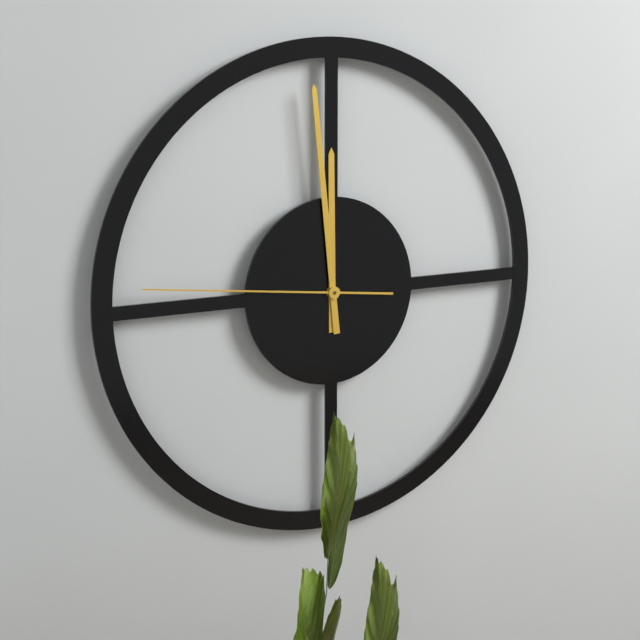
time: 11:59:46
